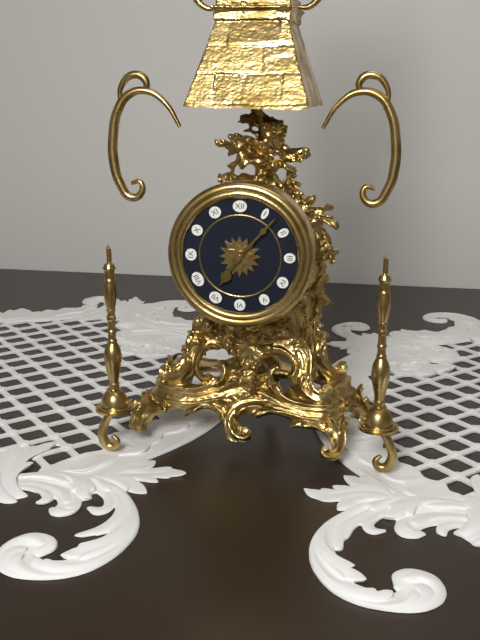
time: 7:07
